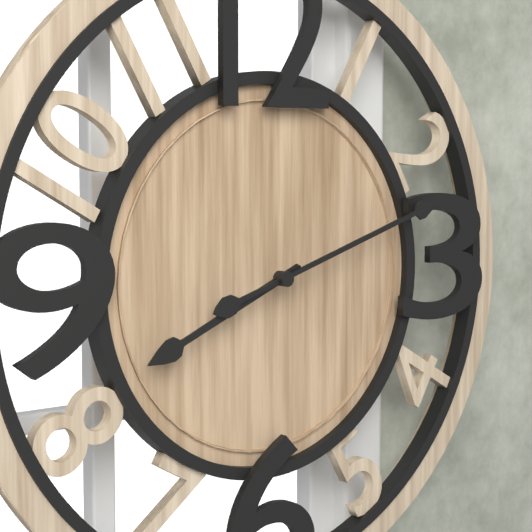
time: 8:12
